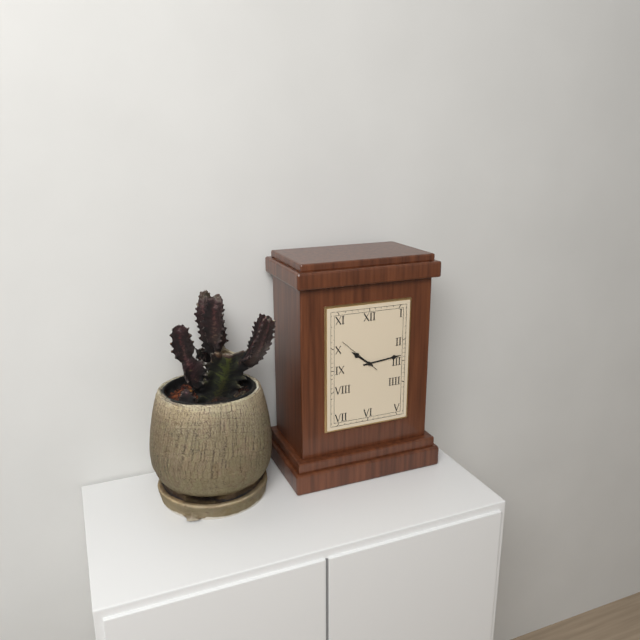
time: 10:14
